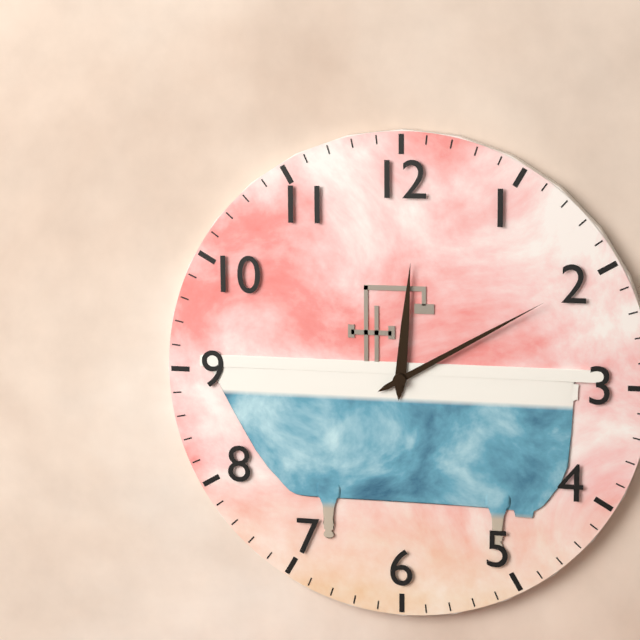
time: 12:10
